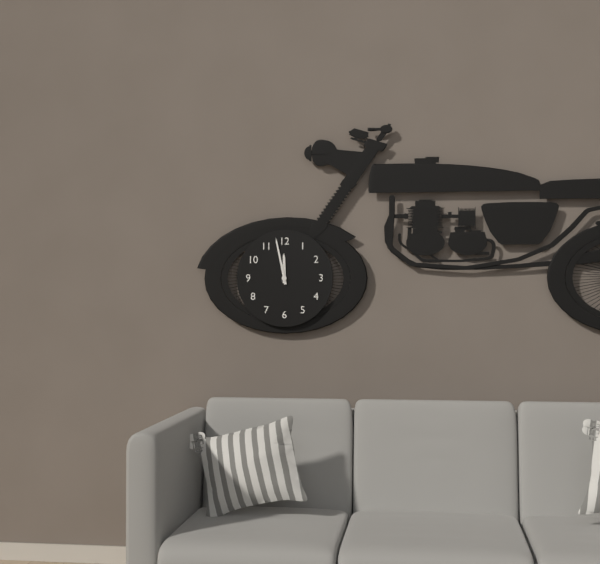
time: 11:58
